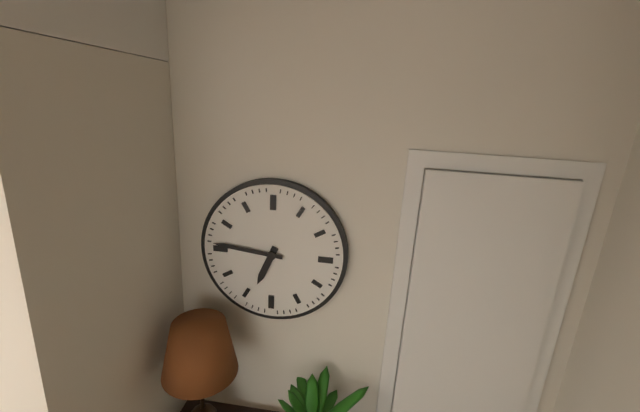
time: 6:46
